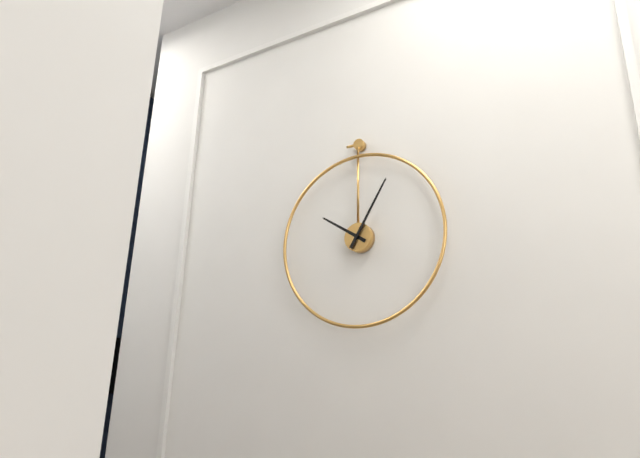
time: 10:05
